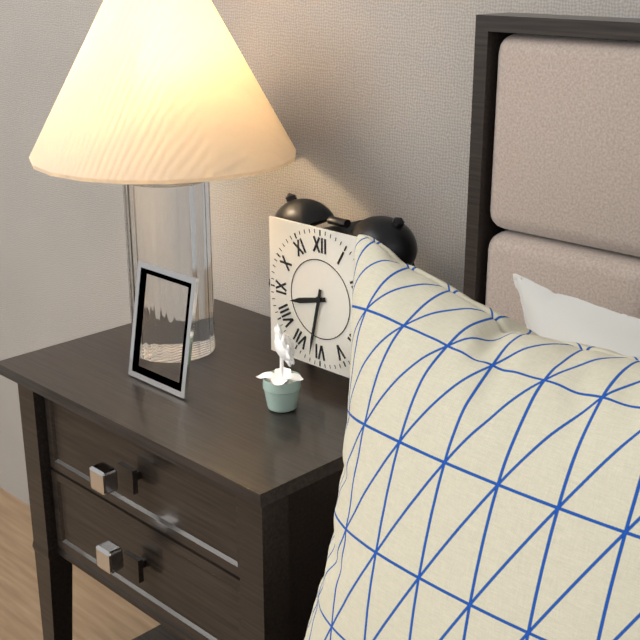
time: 8:32
